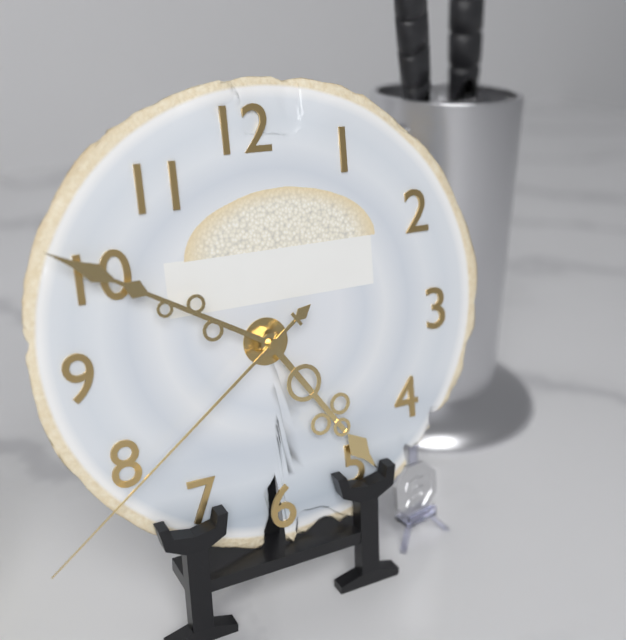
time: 4:50:39
